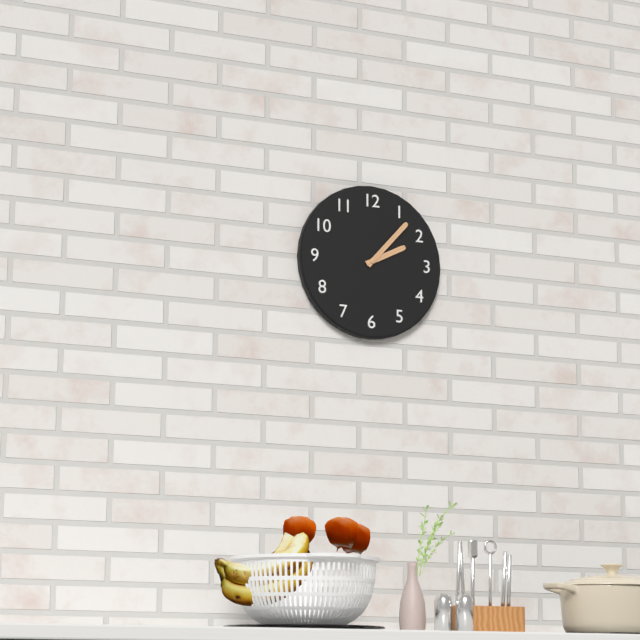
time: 2:07
